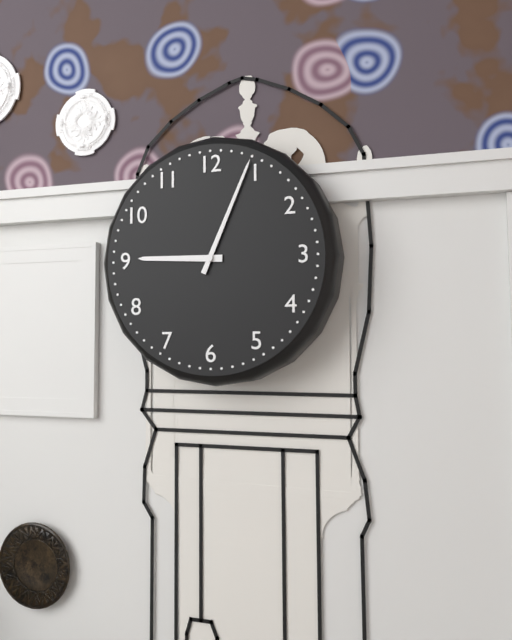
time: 9:04
